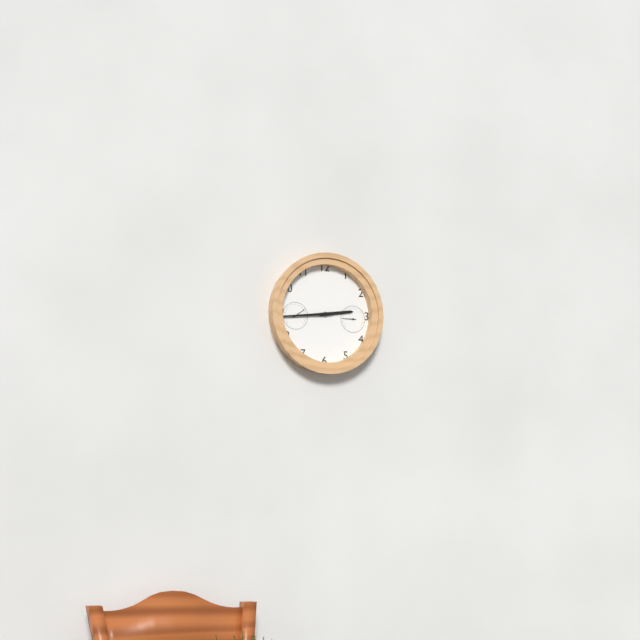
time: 2:44
